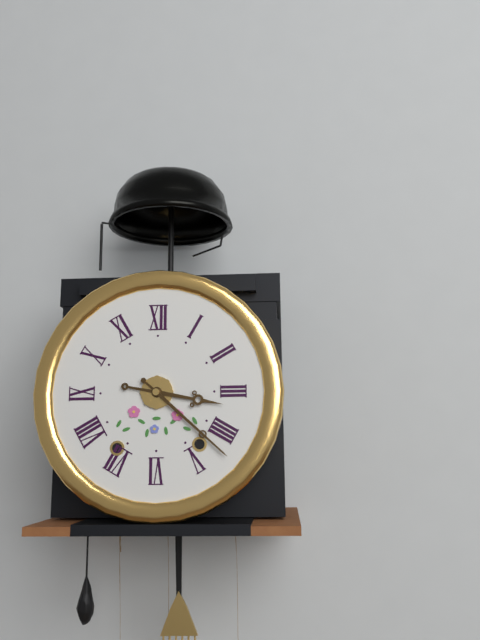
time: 3:22
